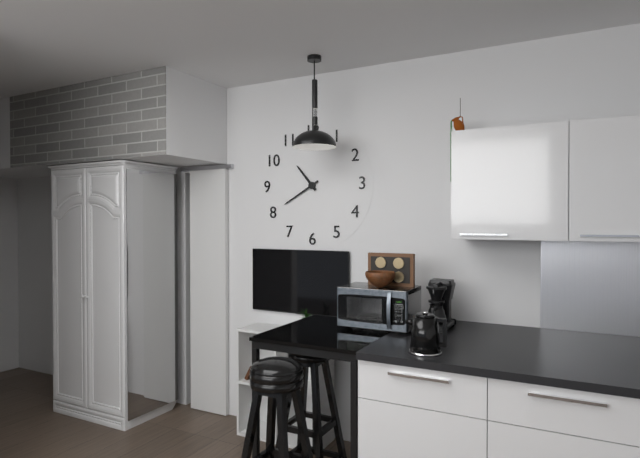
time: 10:40
